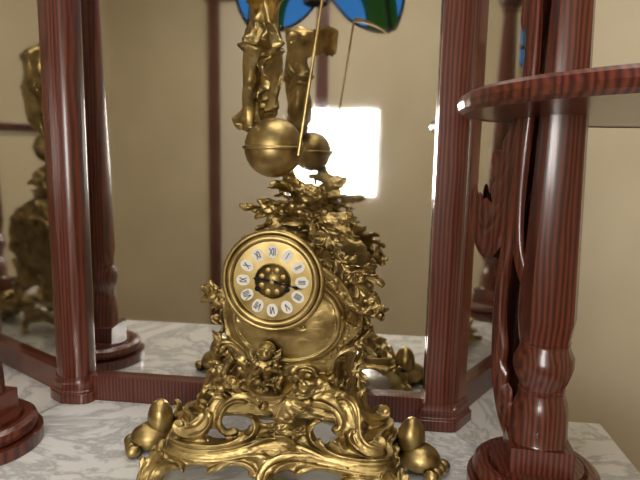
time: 9:17
